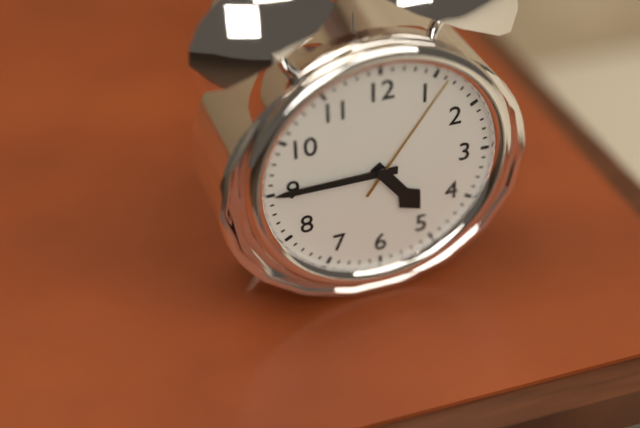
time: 4:45:06
